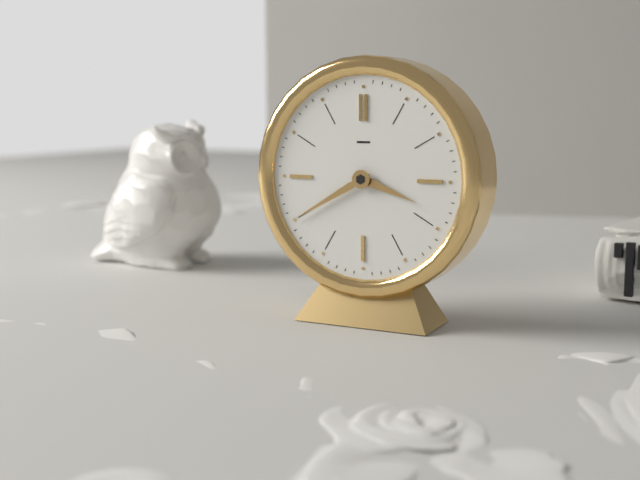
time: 3:40
